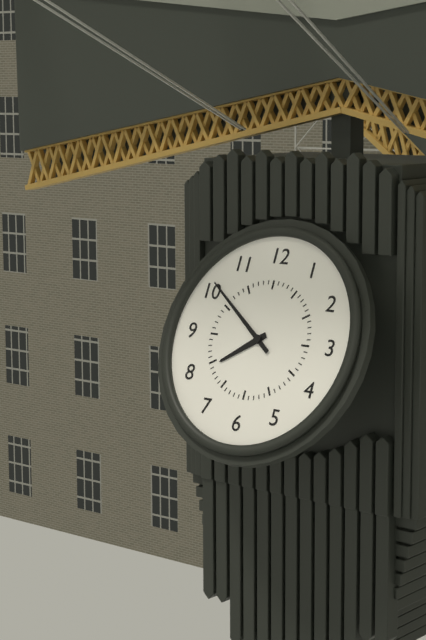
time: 7:51
